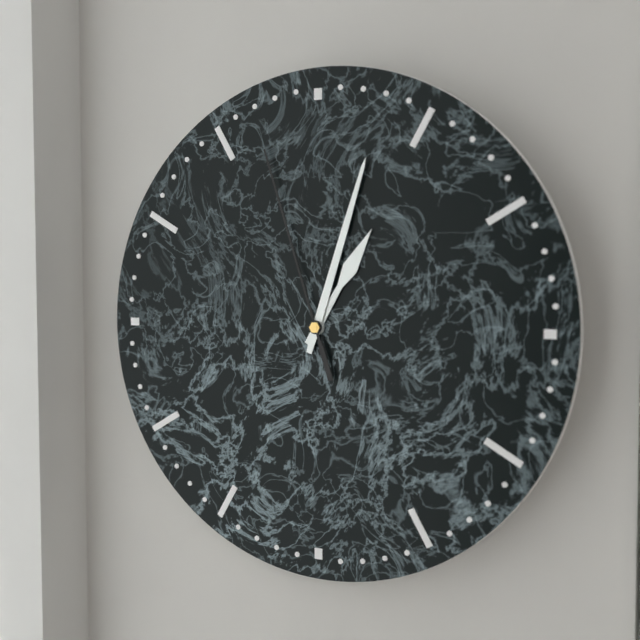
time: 1:03:57
